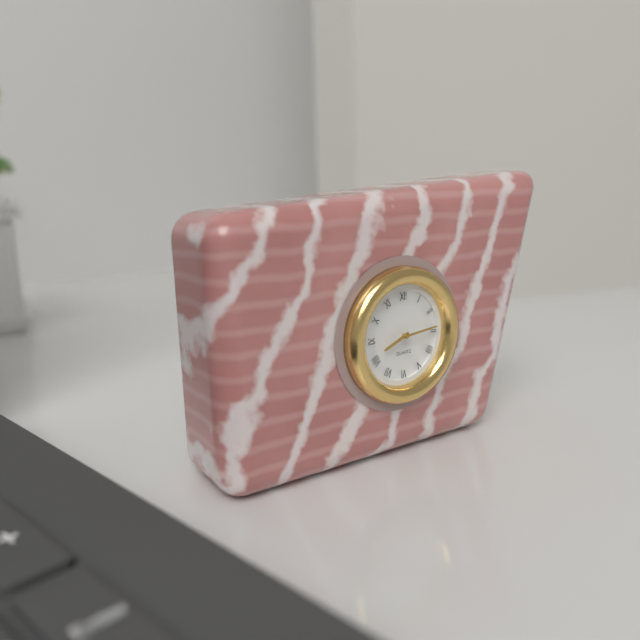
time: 8:14
